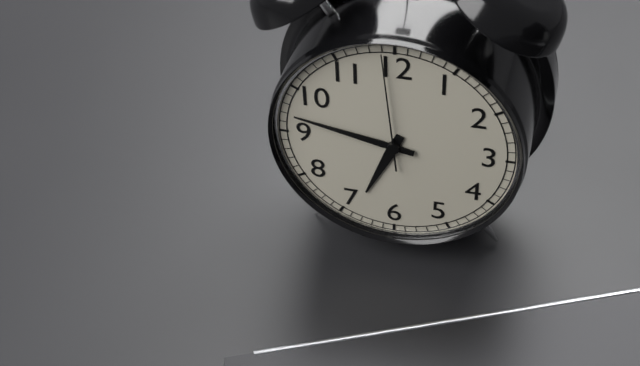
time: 6:47:59
